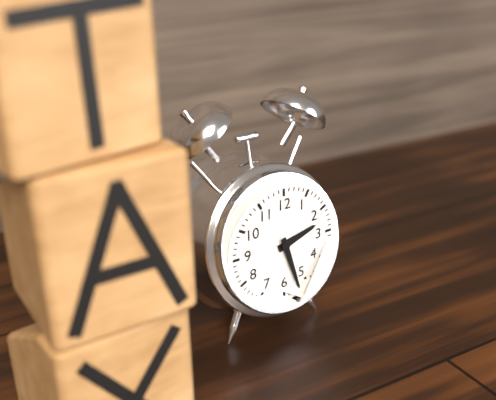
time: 2:27
